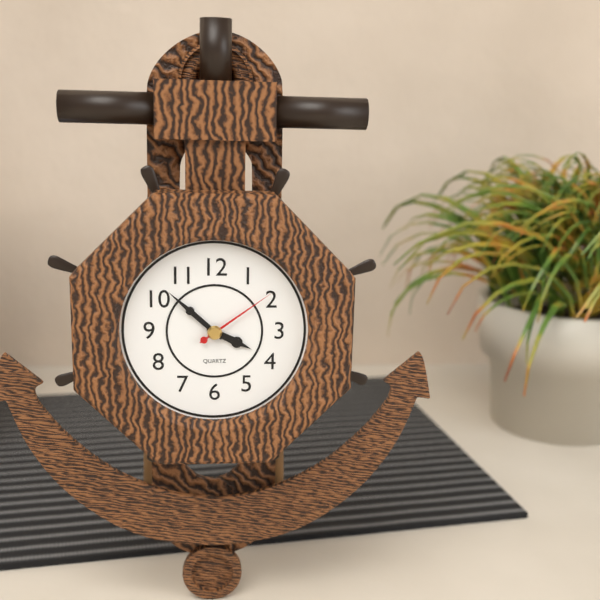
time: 3:52:09
